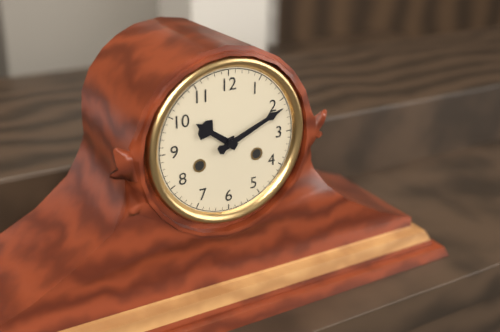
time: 10:11
